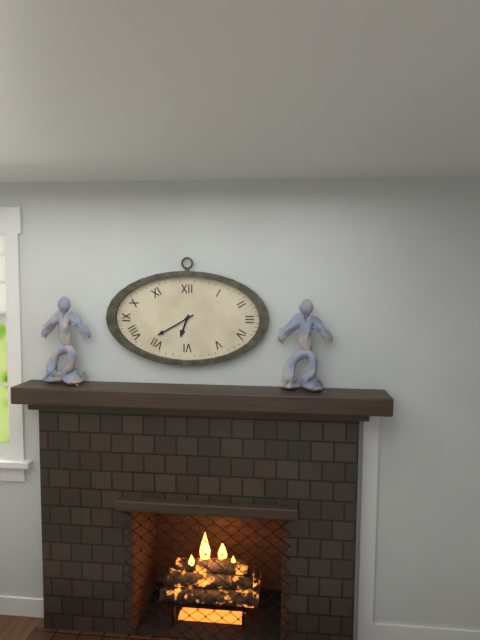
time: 6:40
